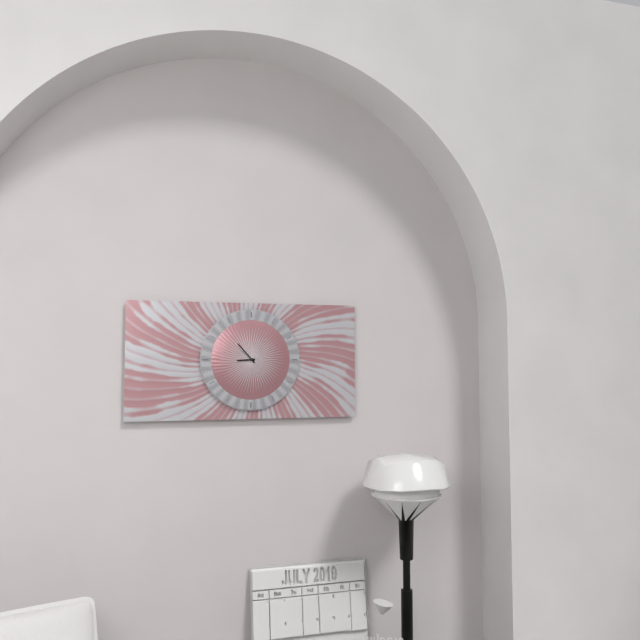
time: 8:53
